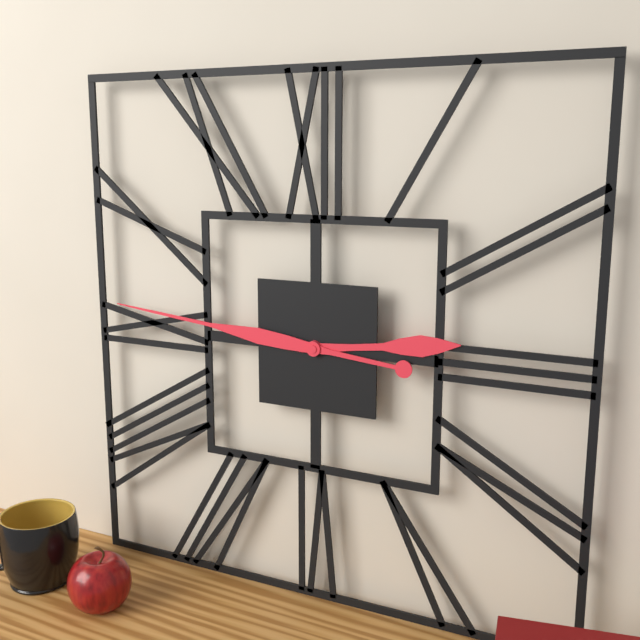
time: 2:46
